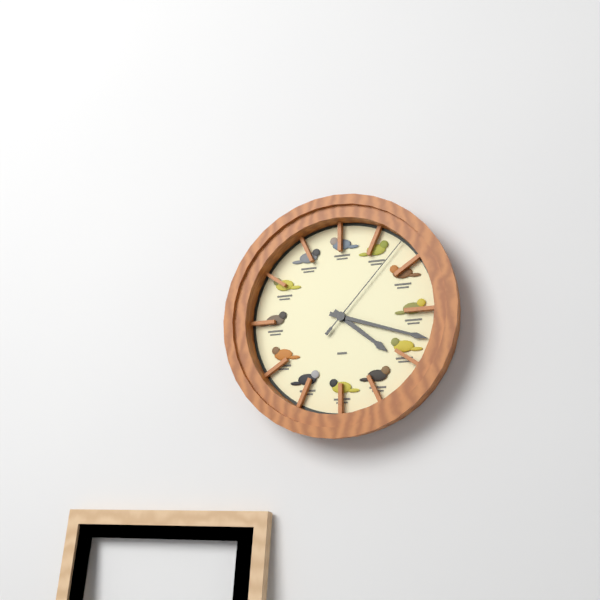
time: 4:18:07
